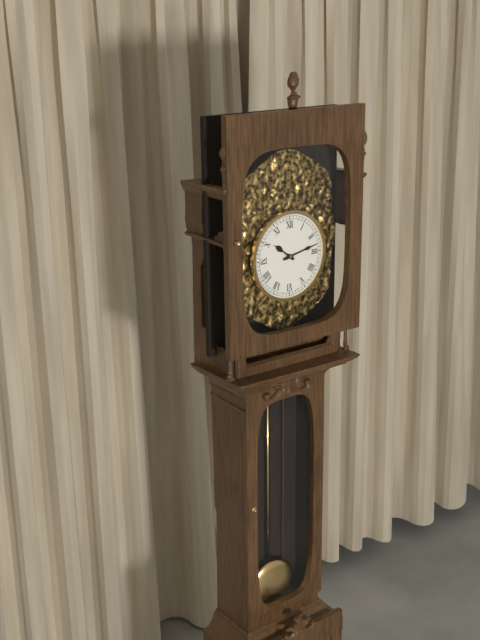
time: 10:13
